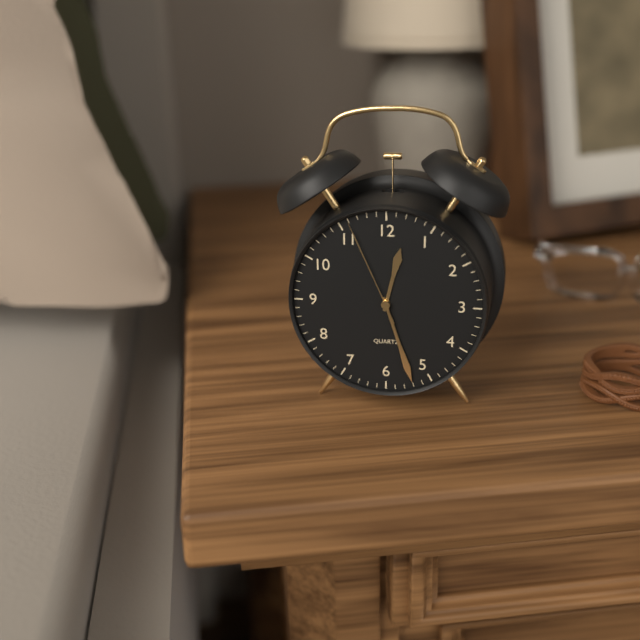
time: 12:27:56
